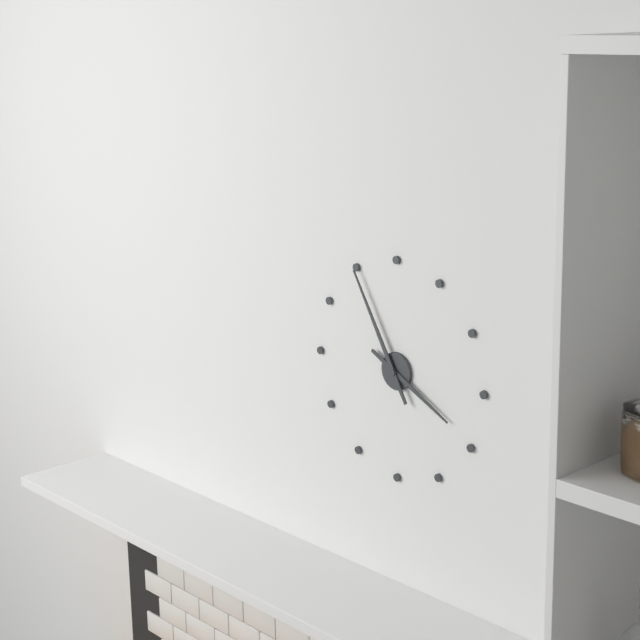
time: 3:55
